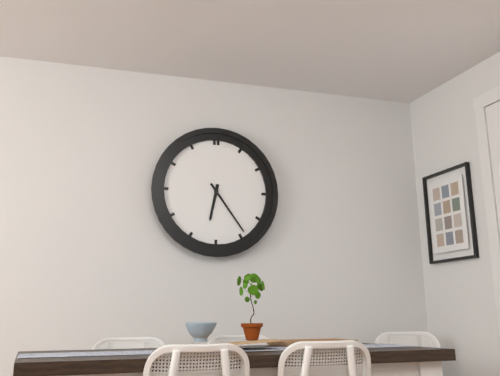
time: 6:24
